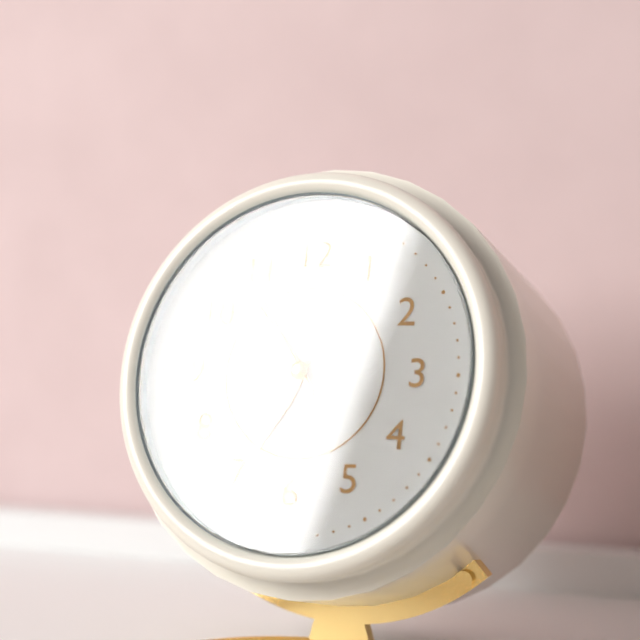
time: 6:53:54
